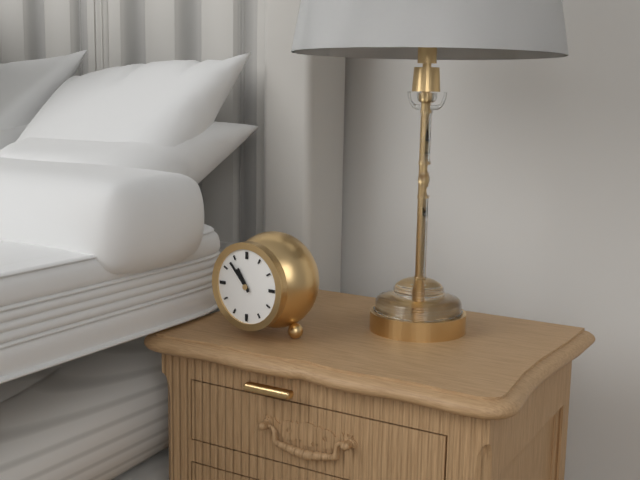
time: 10:53
